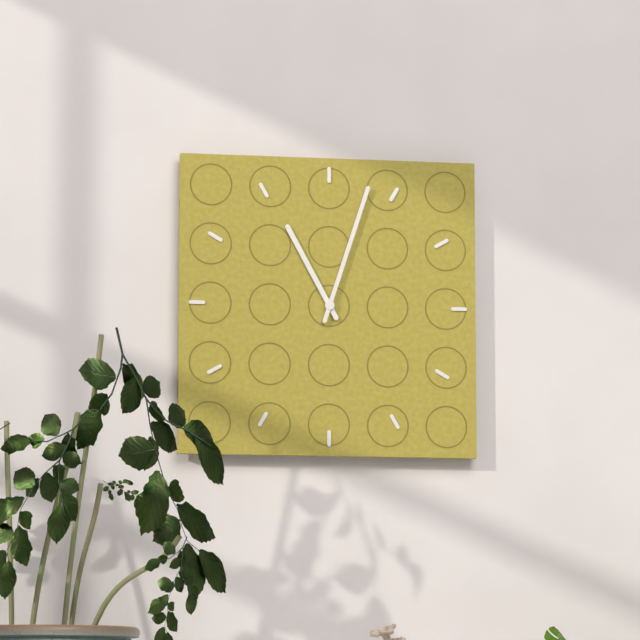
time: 11:03
